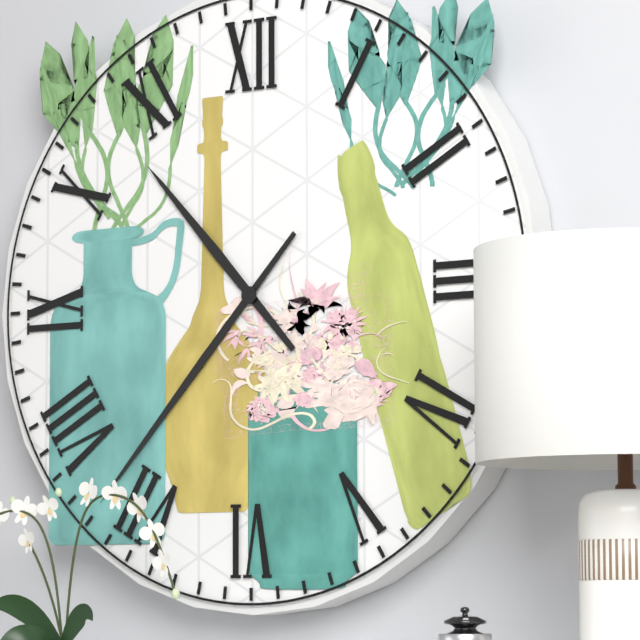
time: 10:37
